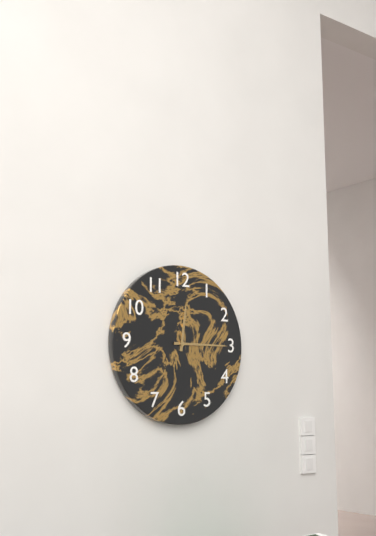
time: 12:15
